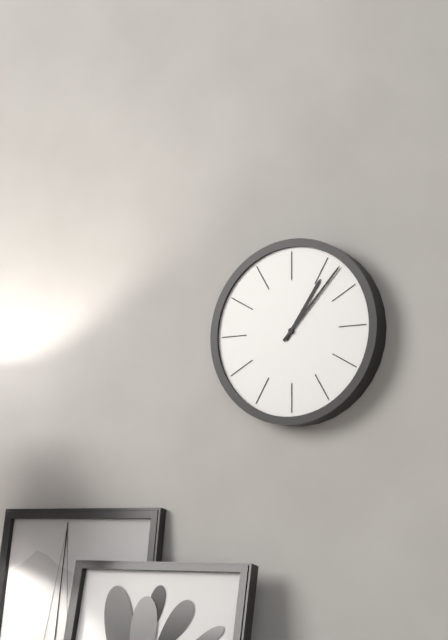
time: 1:07
